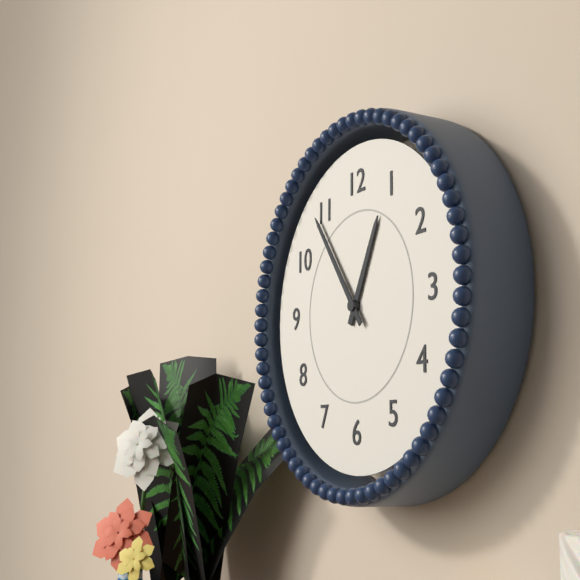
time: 12:54
